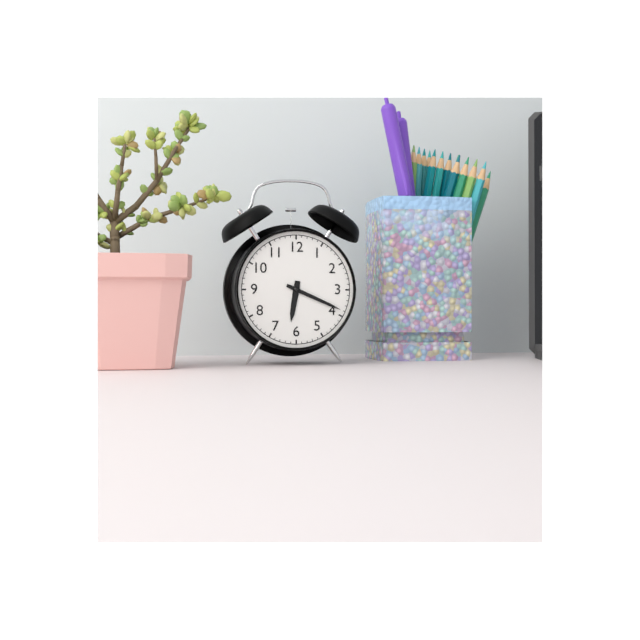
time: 6:19
